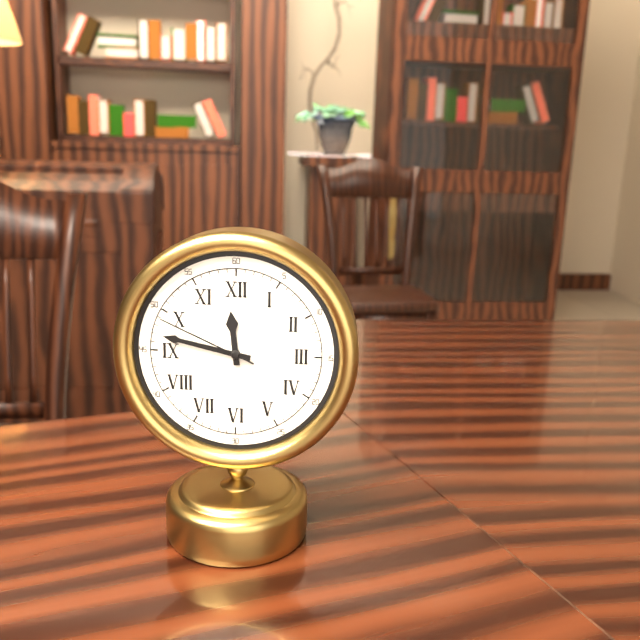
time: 11:47:49
